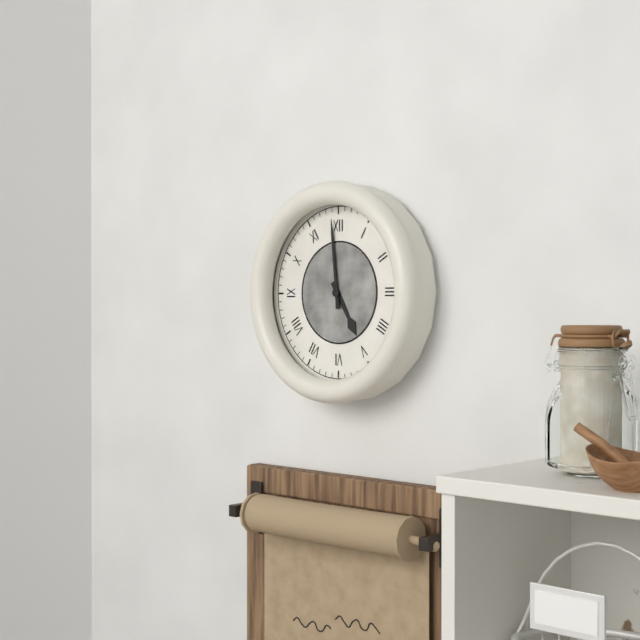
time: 4:59
